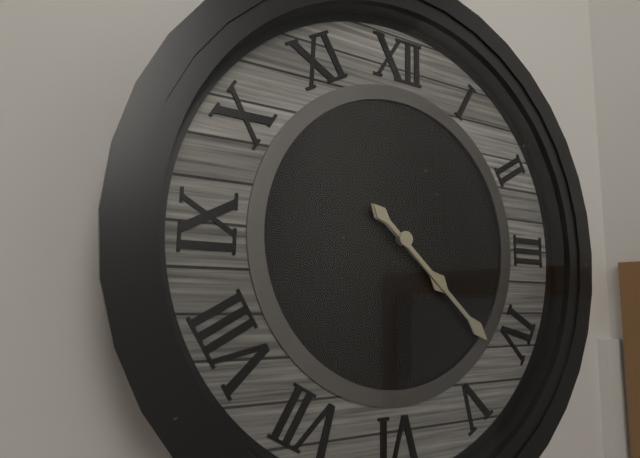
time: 4:22
